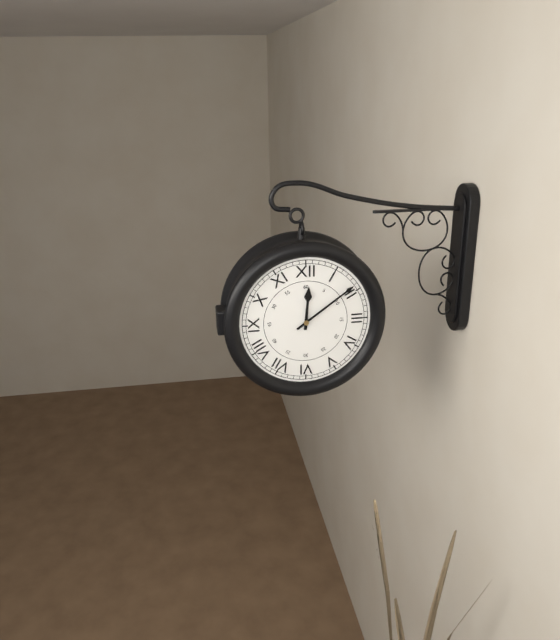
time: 12:09
